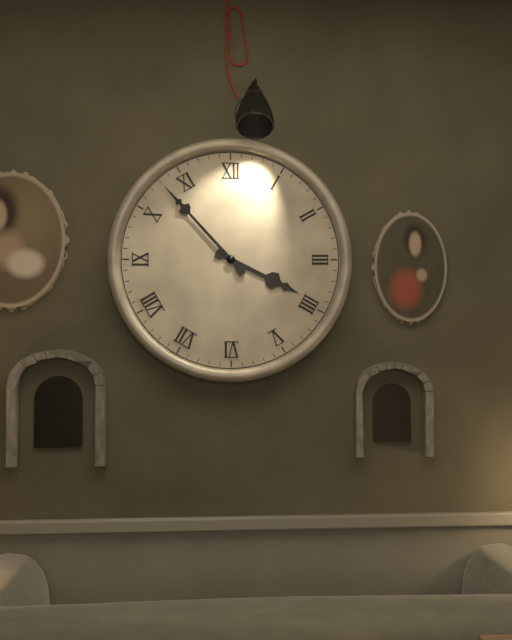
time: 3:53
